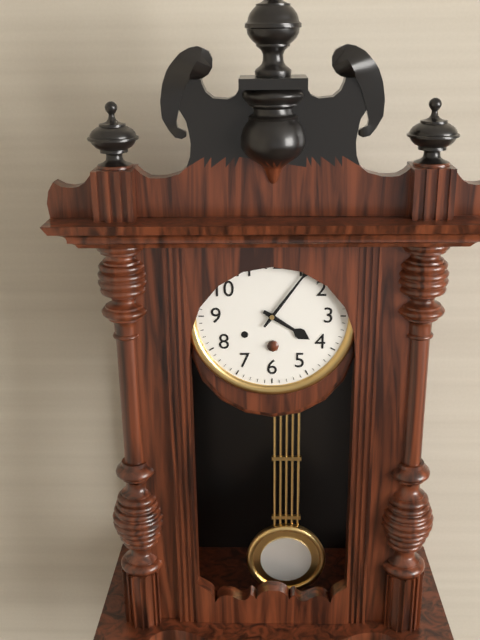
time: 4:06
